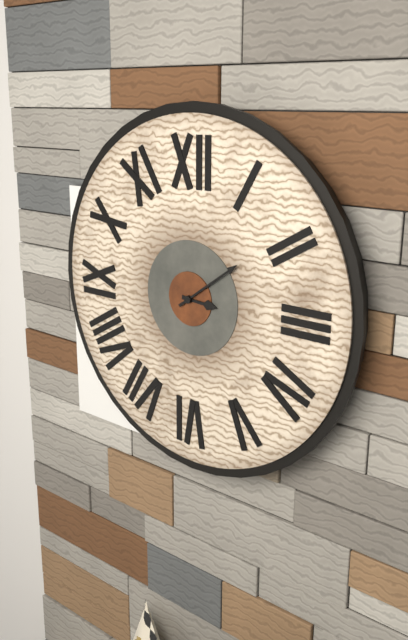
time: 3:09
